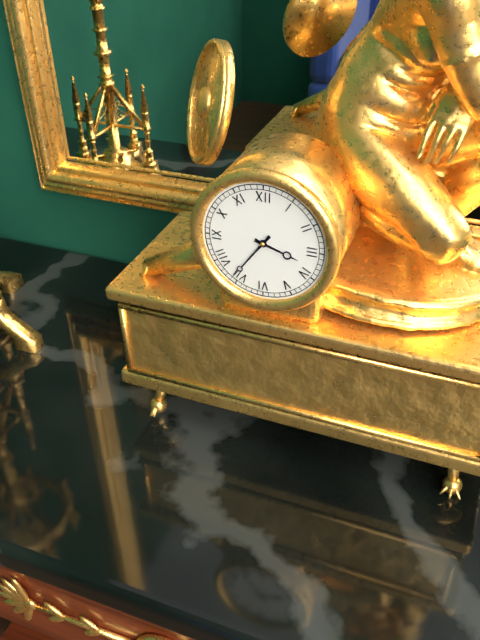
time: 3:36
